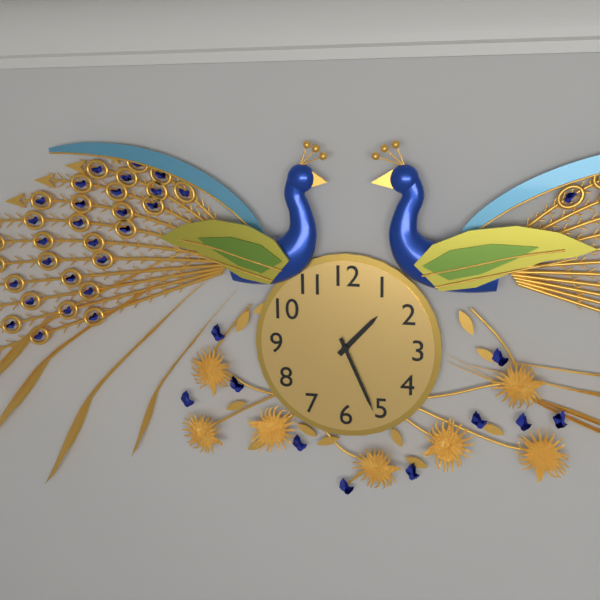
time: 1:26
